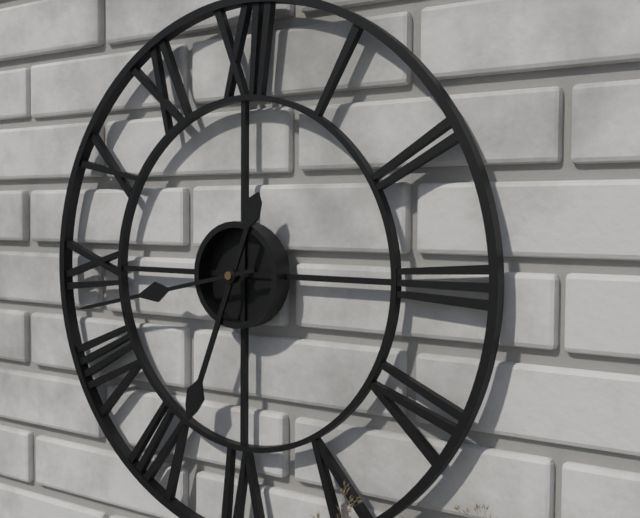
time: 6:43
